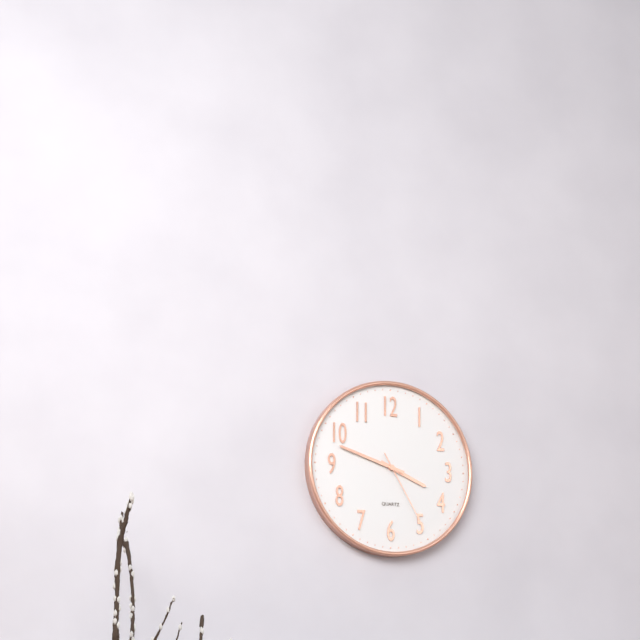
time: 3:48:25
